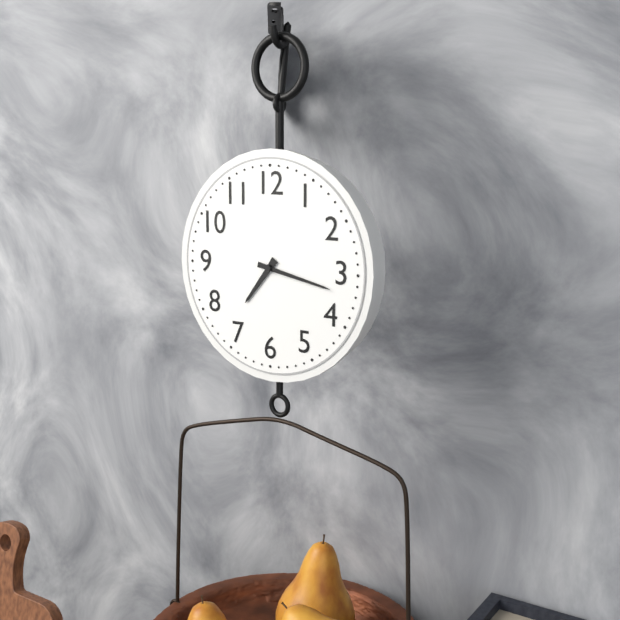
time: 7:17
